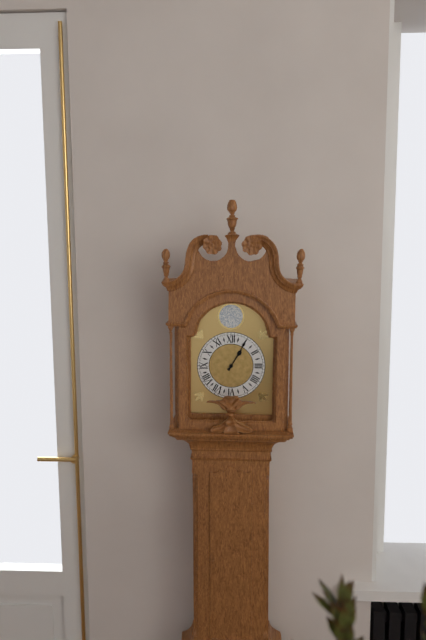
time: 1:05
